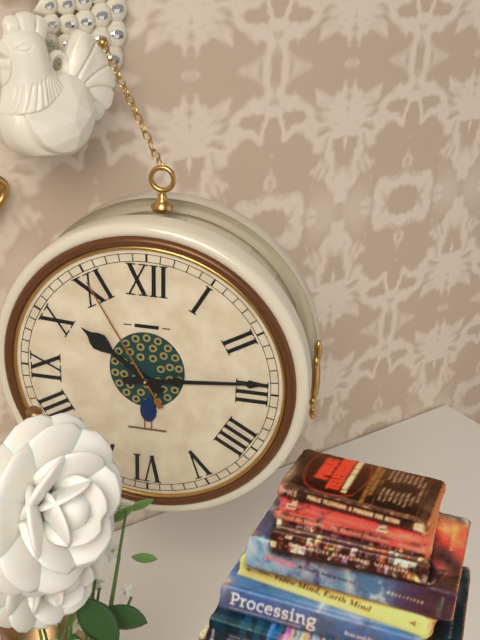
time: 10:14:55
